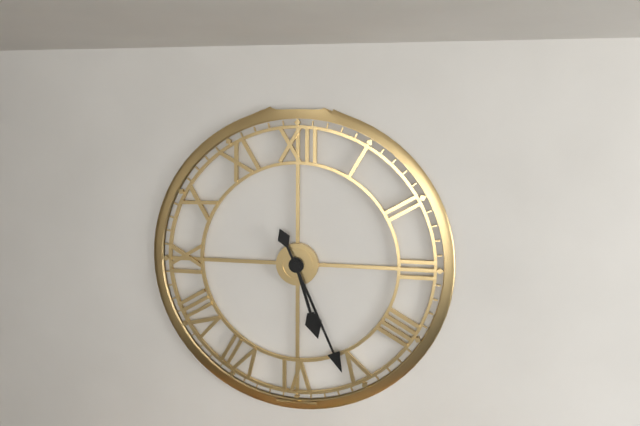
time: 5:26
